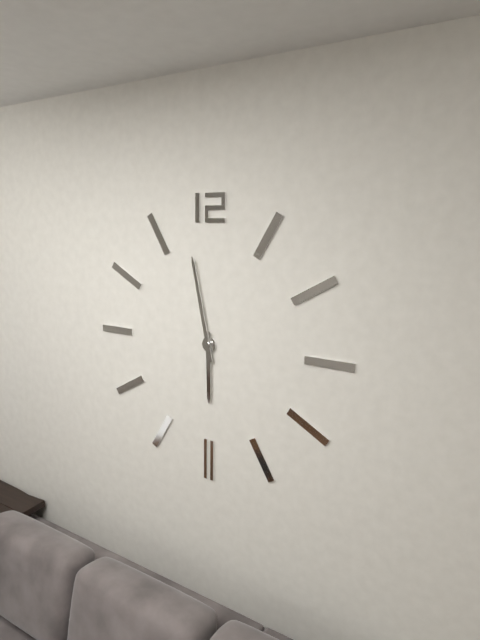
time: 5:58
